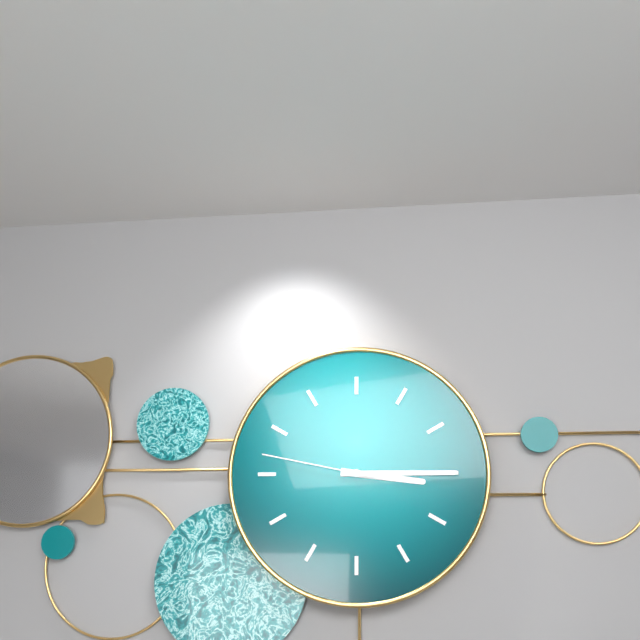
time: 3:15:47
